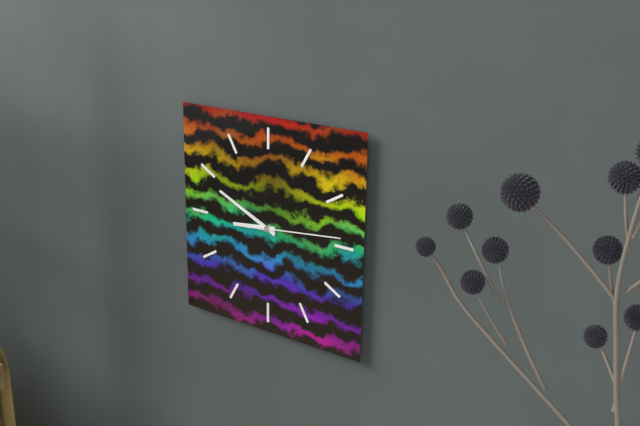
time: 8:49:14
